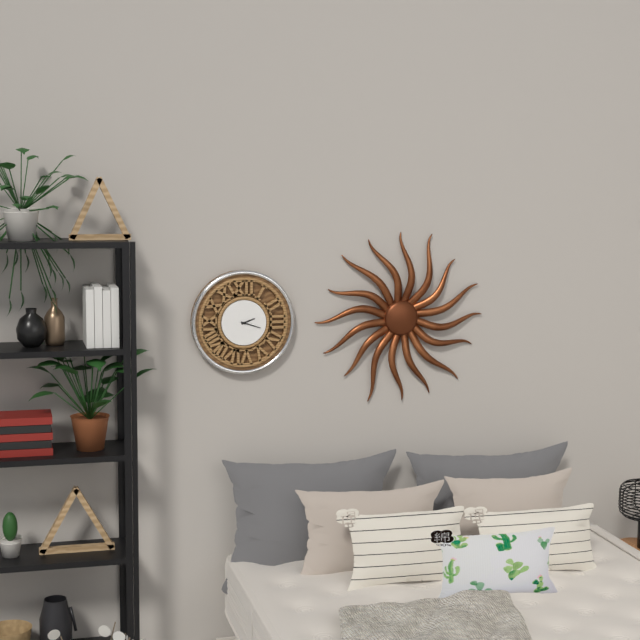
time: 2:18
